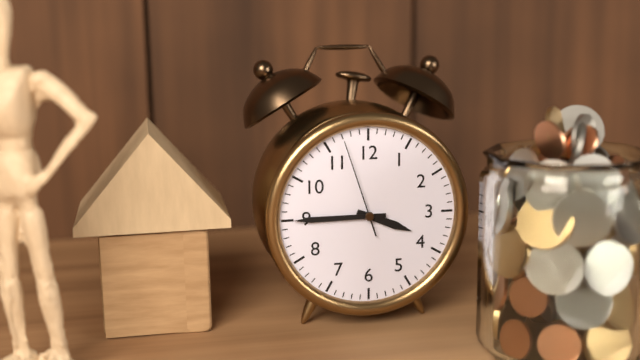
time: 3:45:57
